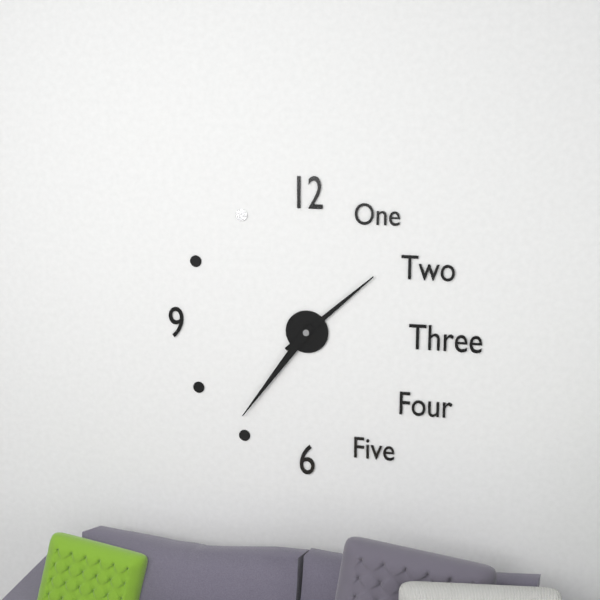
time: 1:36
